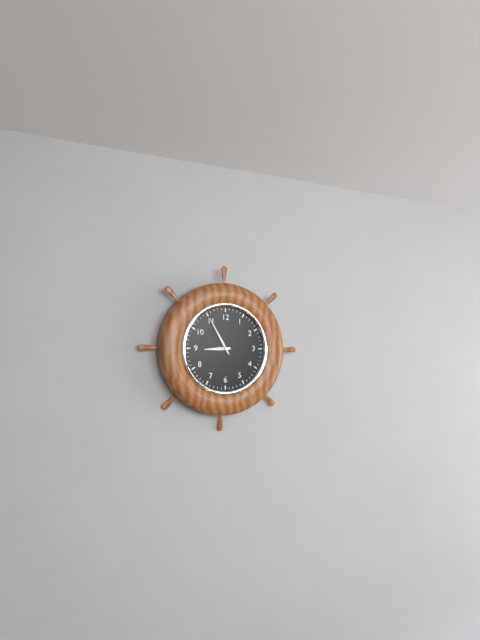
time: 8:55
